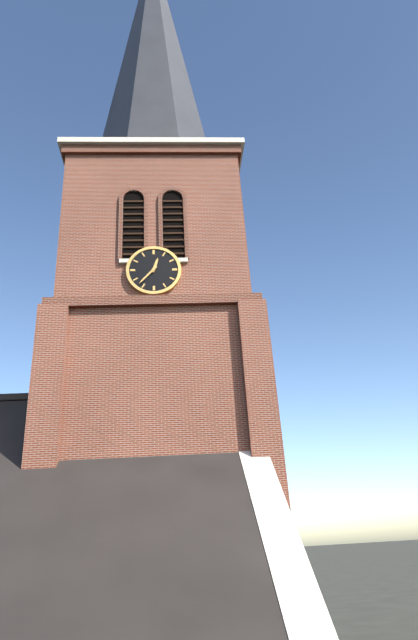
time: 12:37
